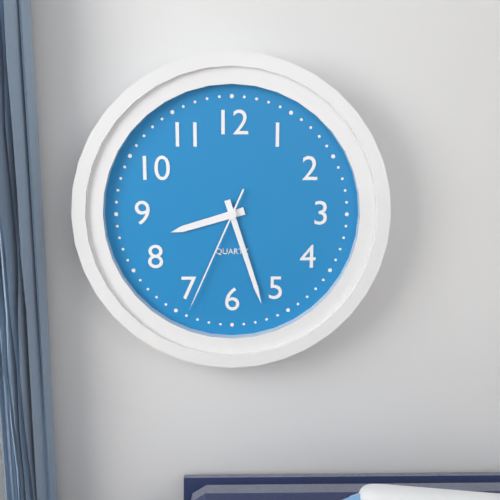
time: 8:27:34
